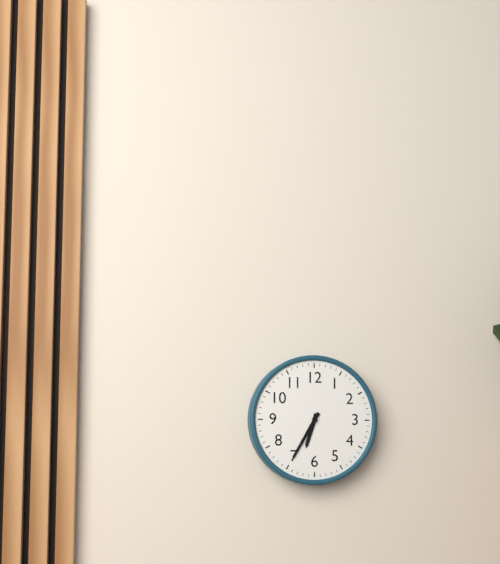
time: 6:35
